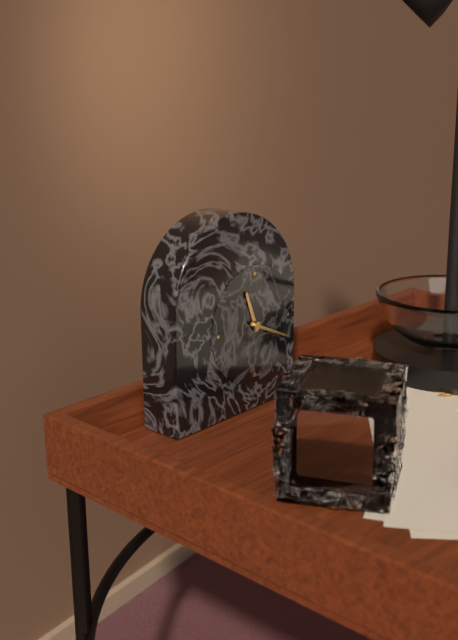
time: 11:19
